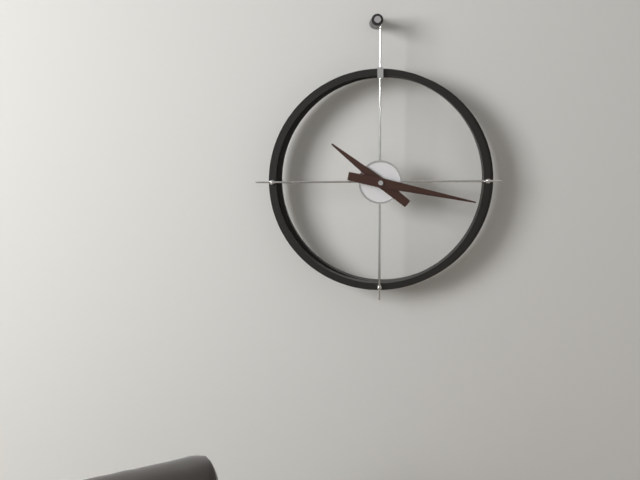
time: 10:17
